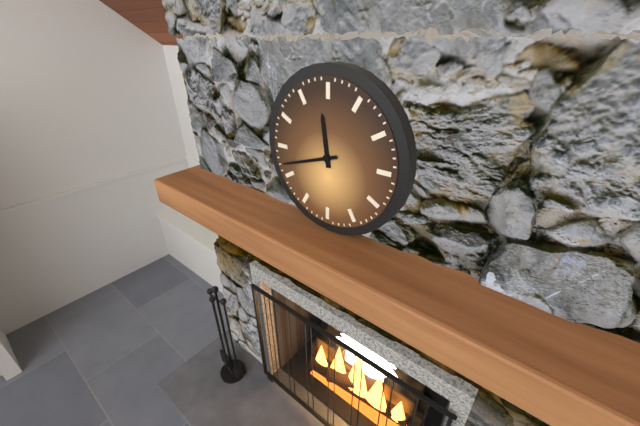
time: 11:42
